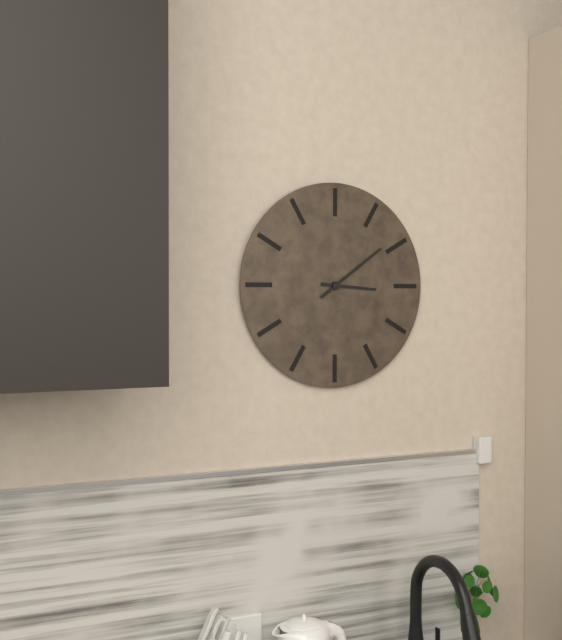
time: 3:09
